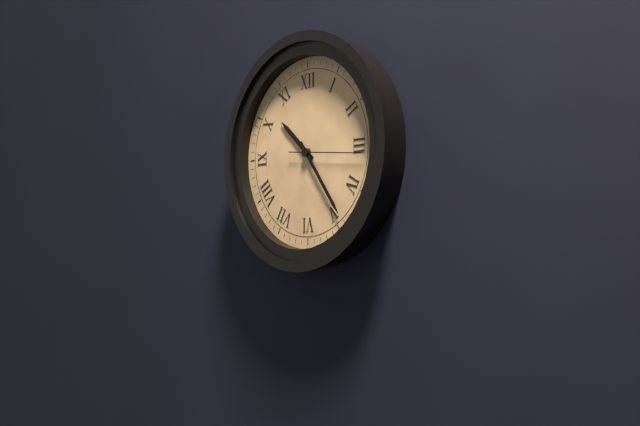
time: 10:24:16
